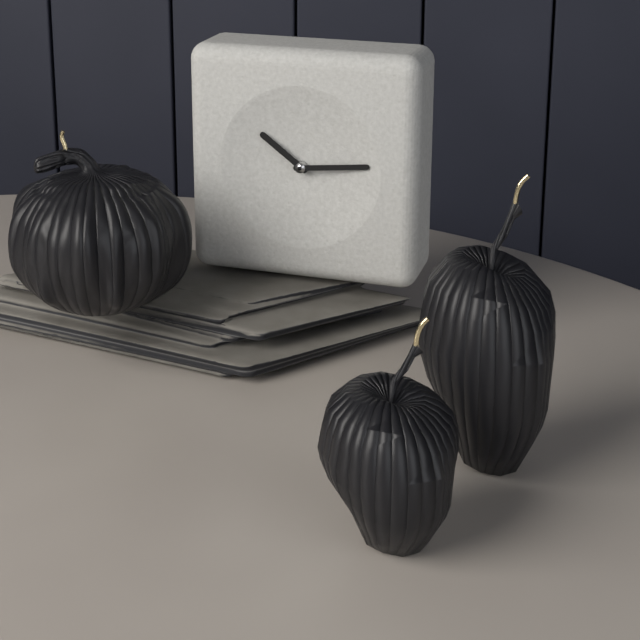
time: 10:14
